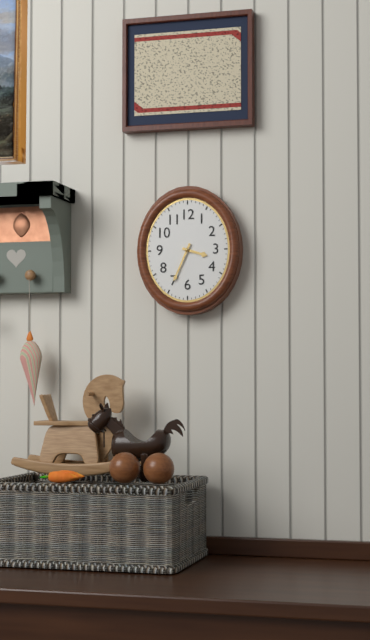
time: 3:34
